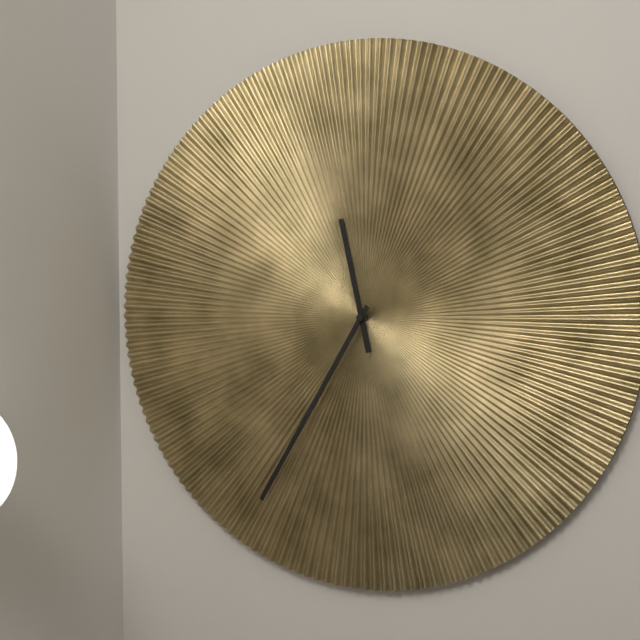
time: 11:35
